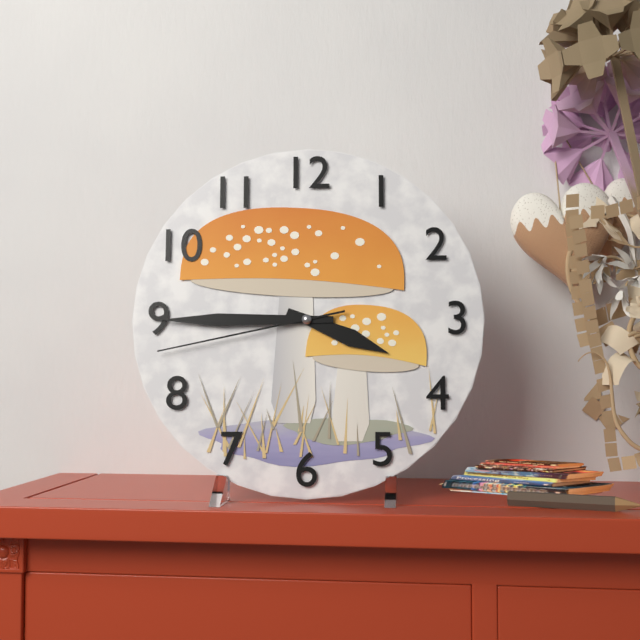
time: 3:45:43
